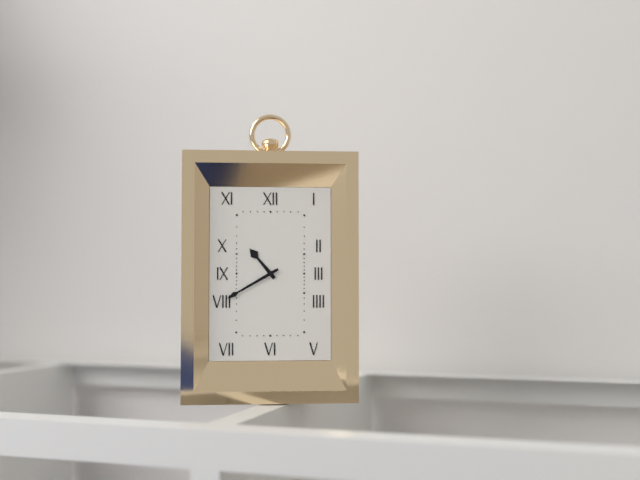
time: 10:40
